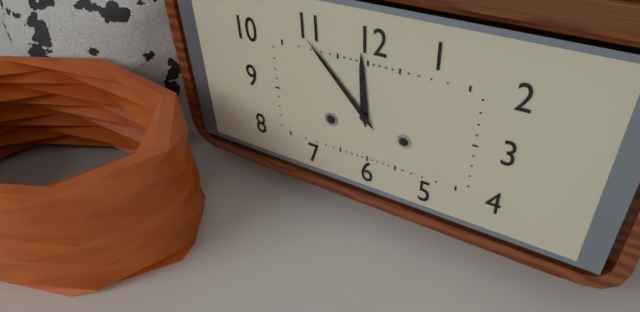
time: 11:53
